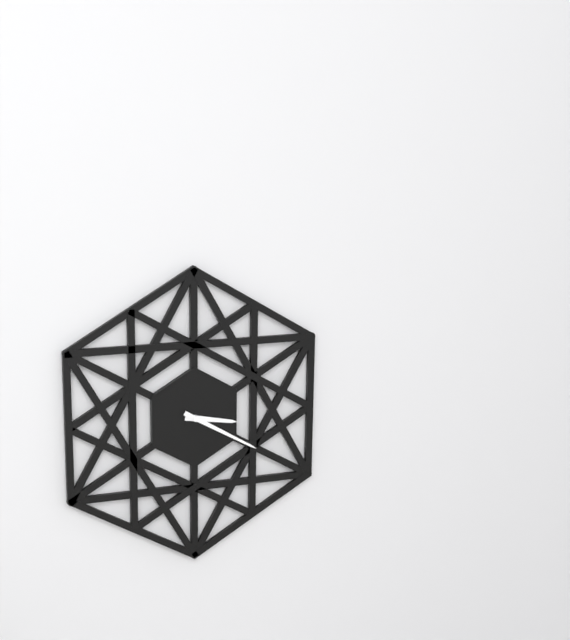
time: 3:20
